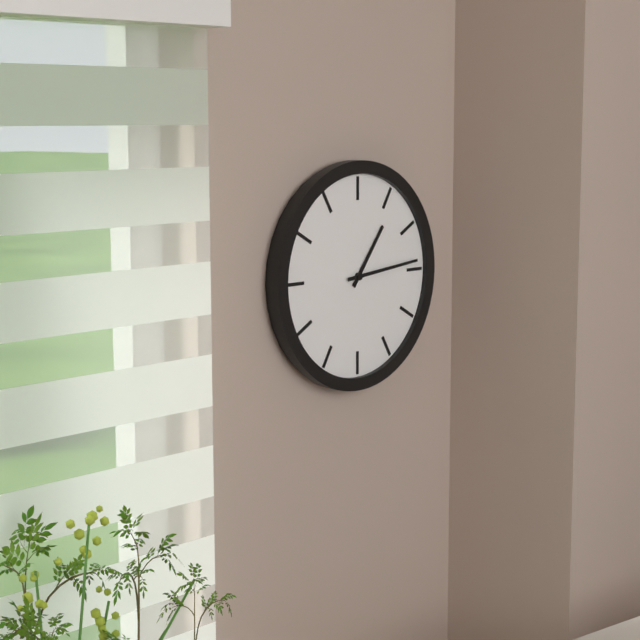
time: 1:14
